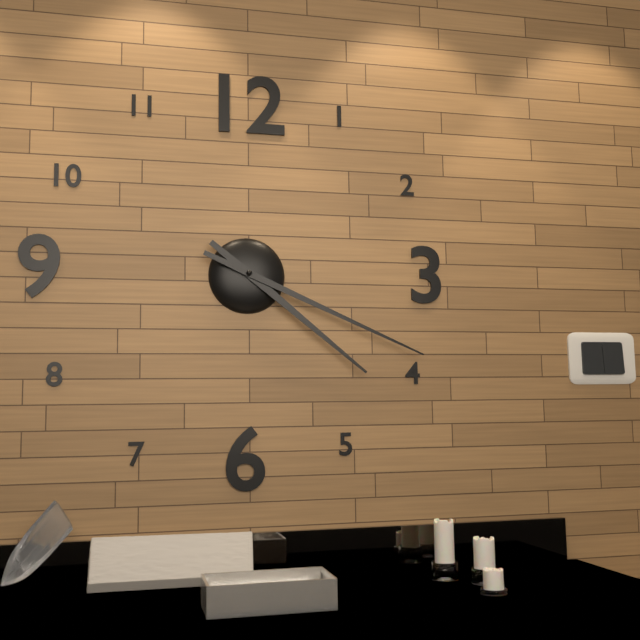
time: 4:19
